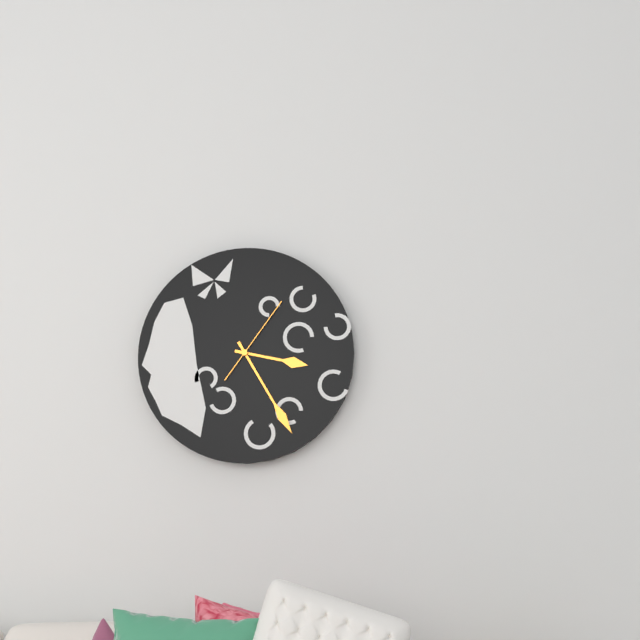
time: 3:25:06
